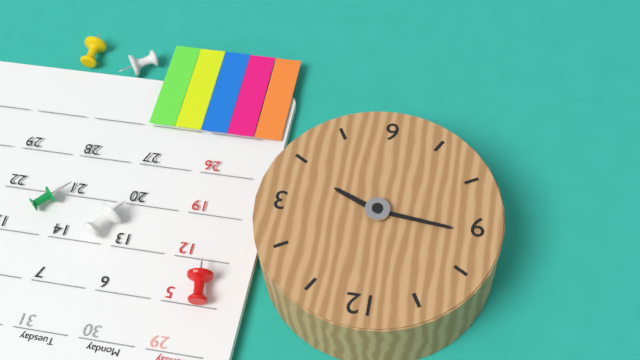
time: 3:46
